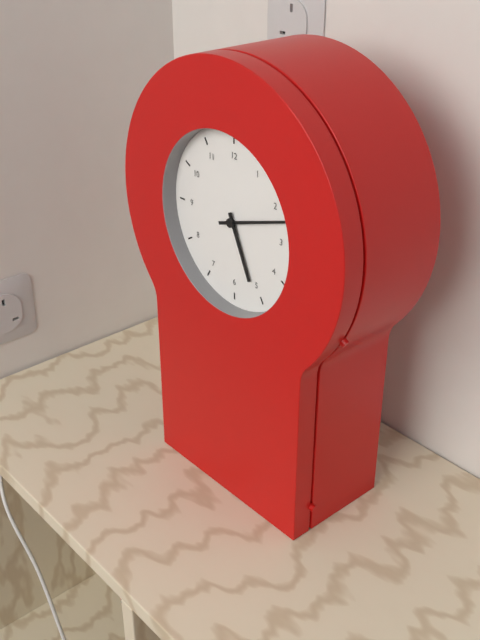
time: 5:12
